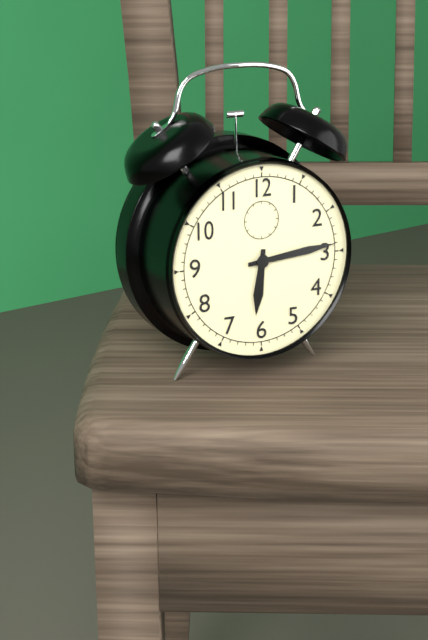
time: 6:14
